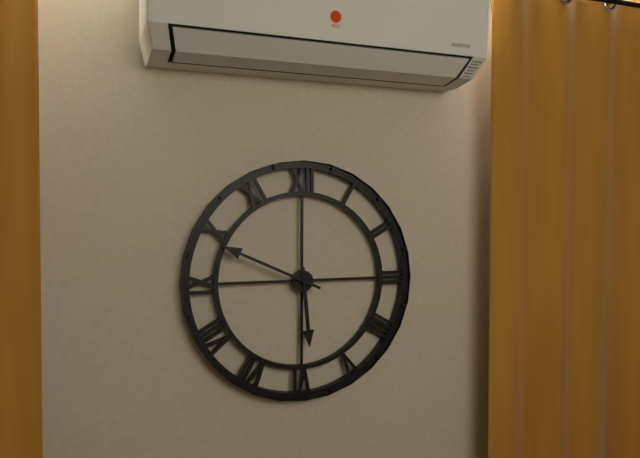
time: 5:49
